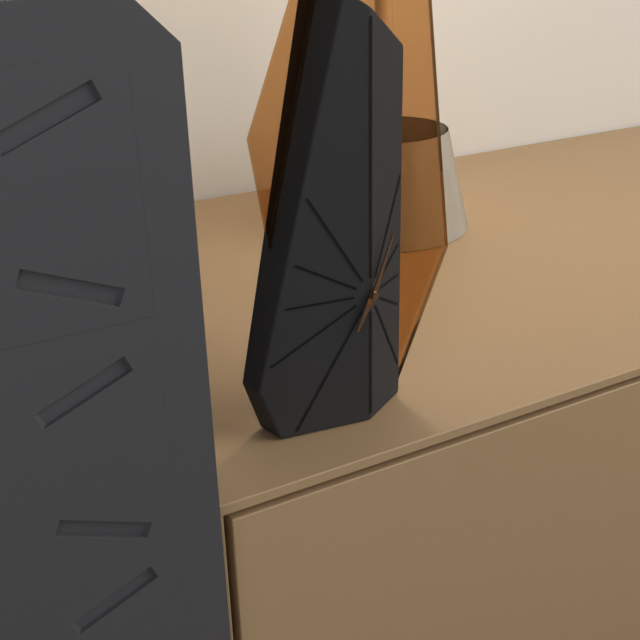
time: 7:04
